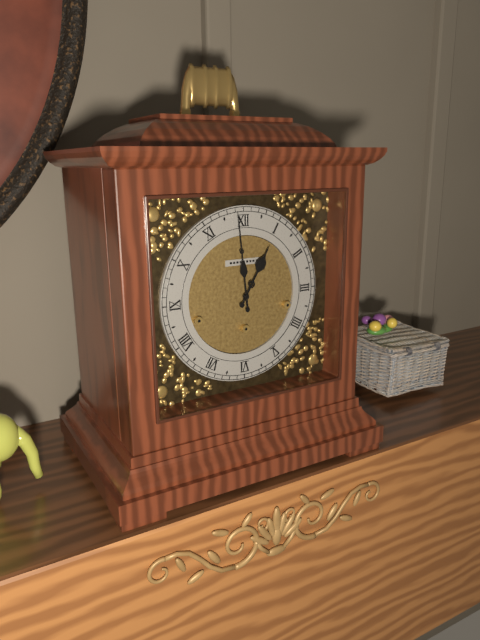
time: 12:59
